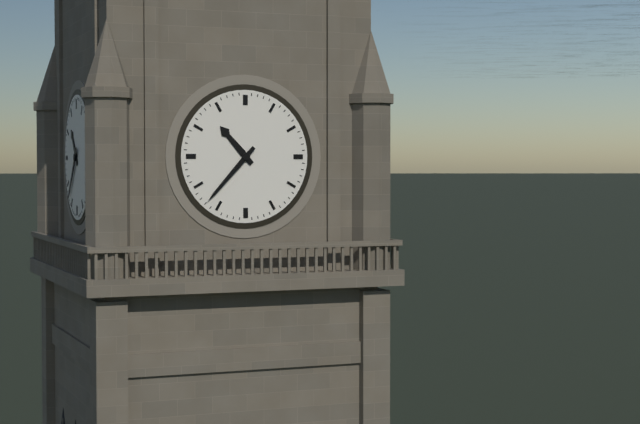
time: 10:37
